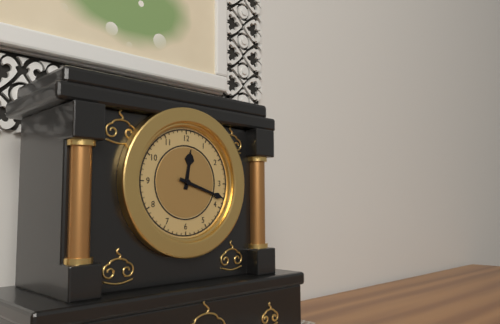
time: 12:18
